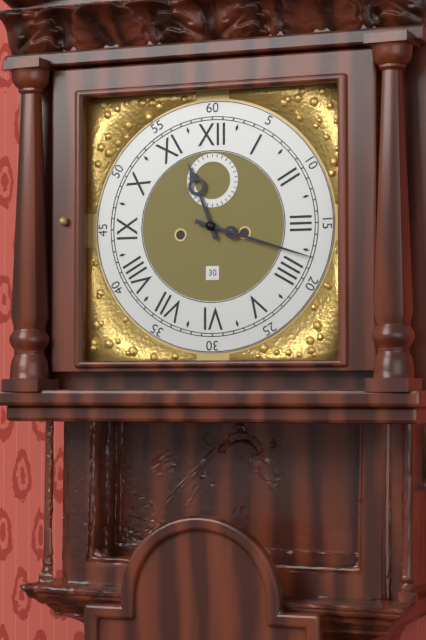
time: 11:18
